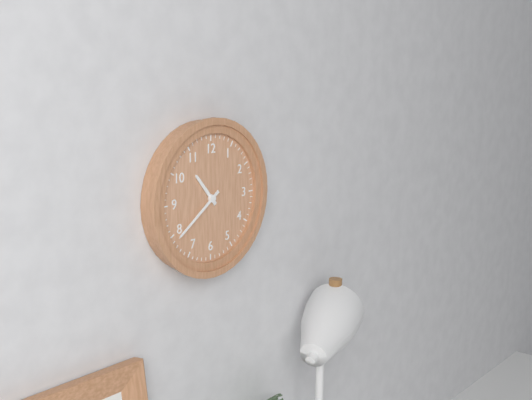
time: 10:39
